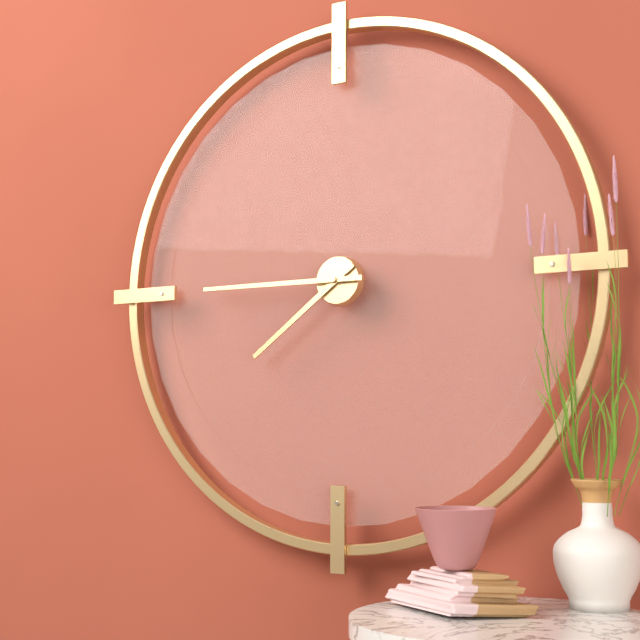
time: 7:45
